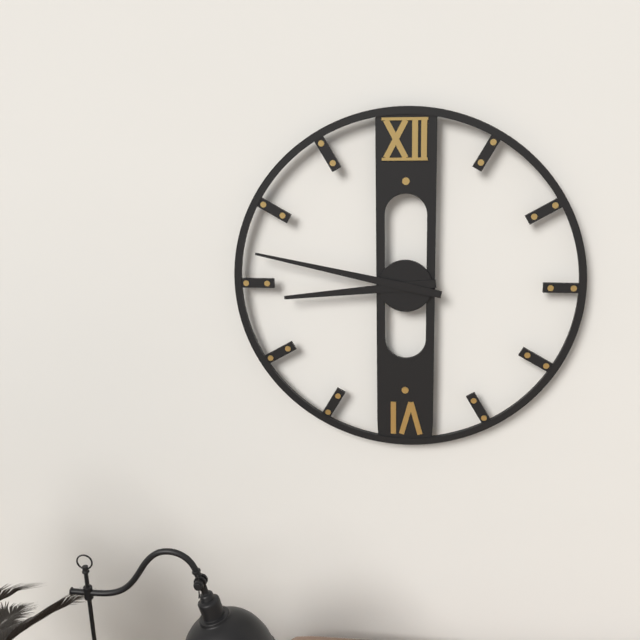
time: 8:47
